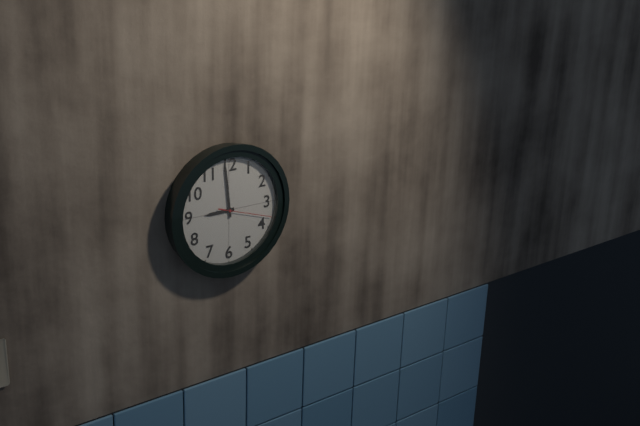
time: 8:59:18
